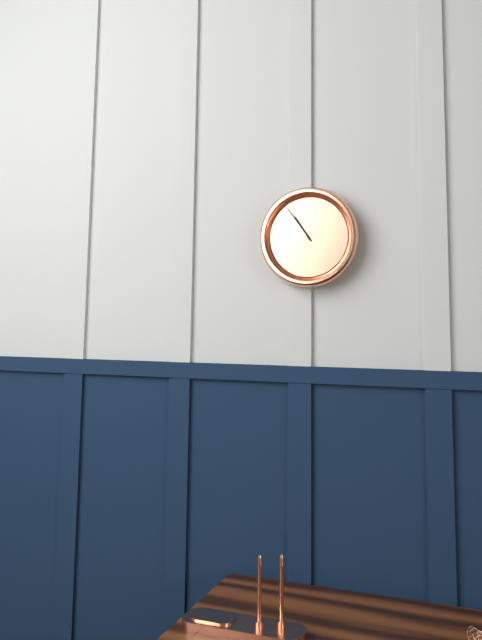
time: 10:54
